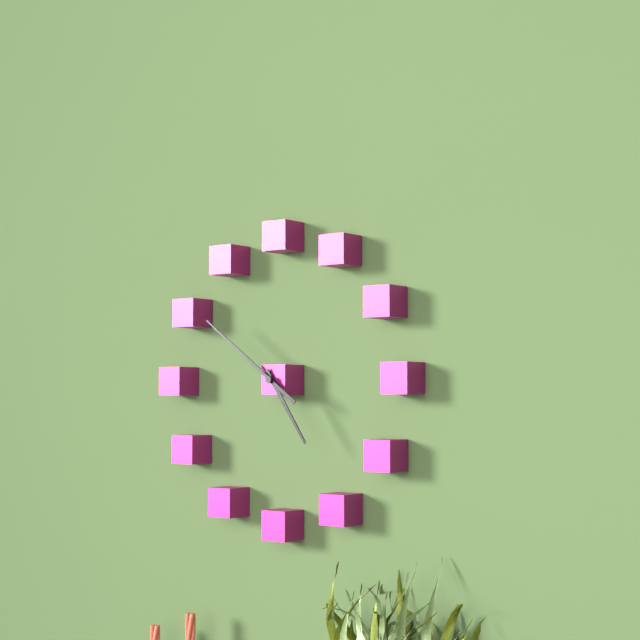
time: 4:51
